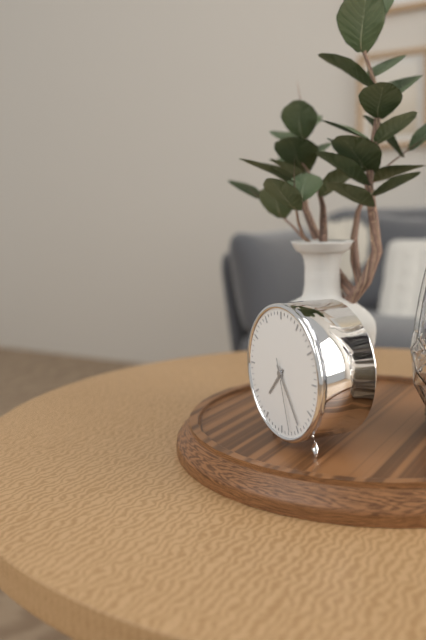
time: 7:24:27
